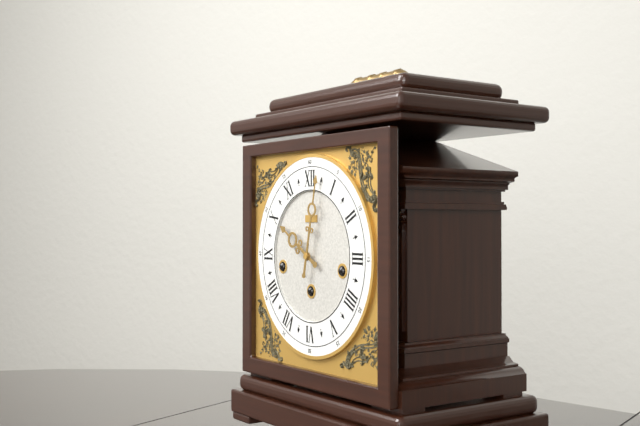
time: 10:02
